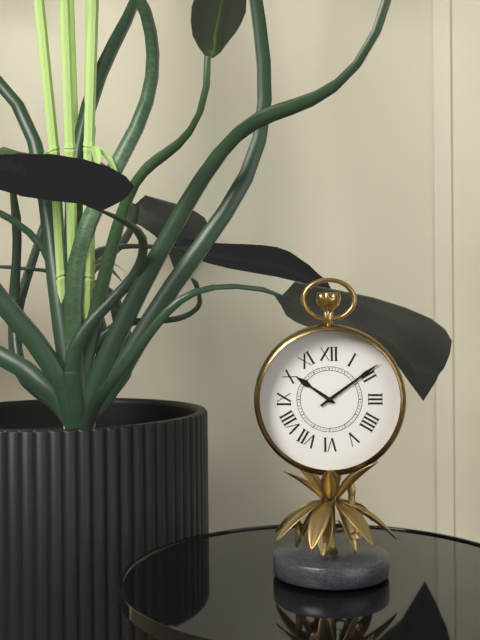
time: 10:09
